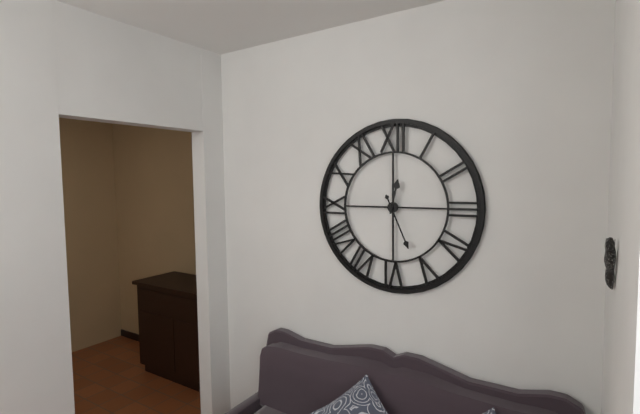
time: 12:26
